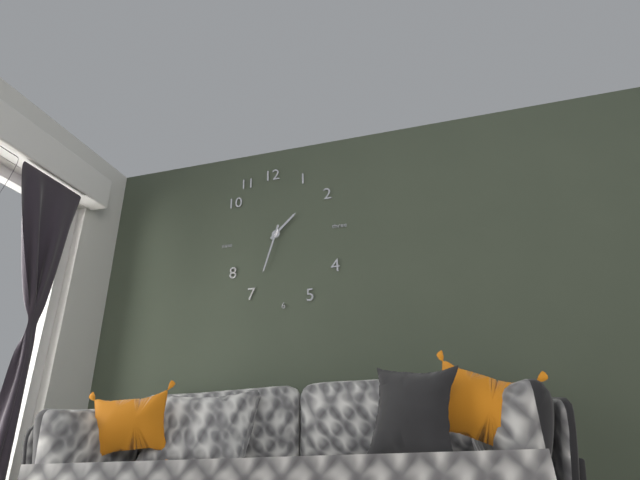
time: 1:33
